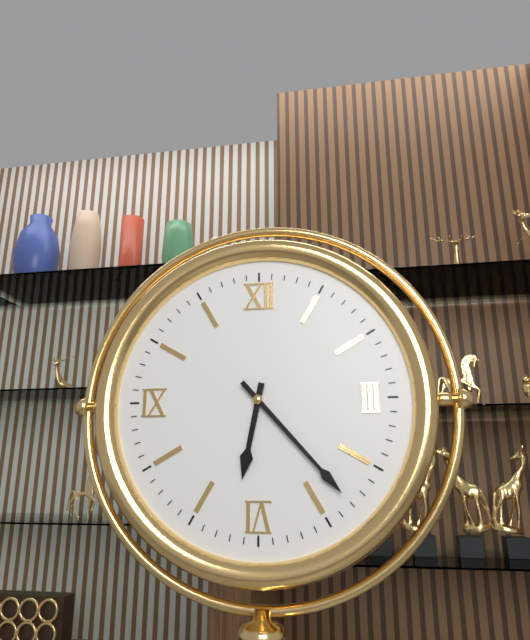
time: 6:23
